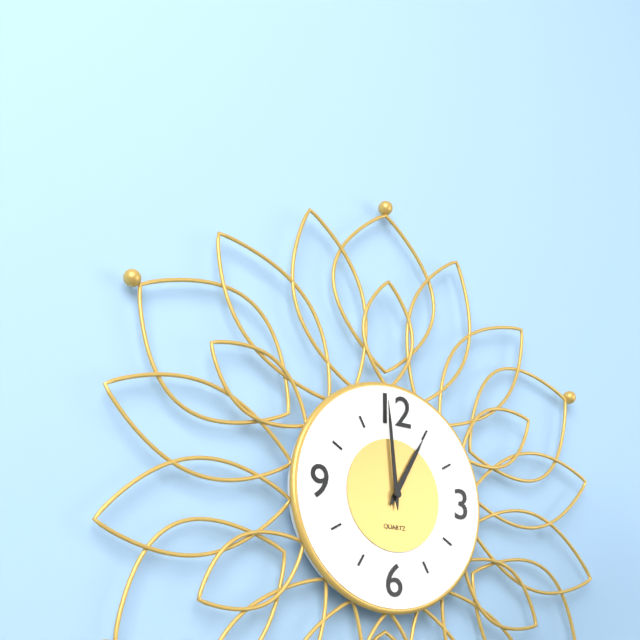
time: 12:59
